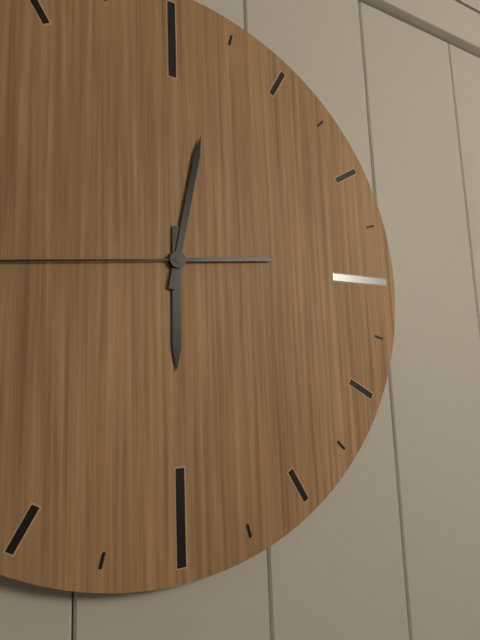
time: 6:02
